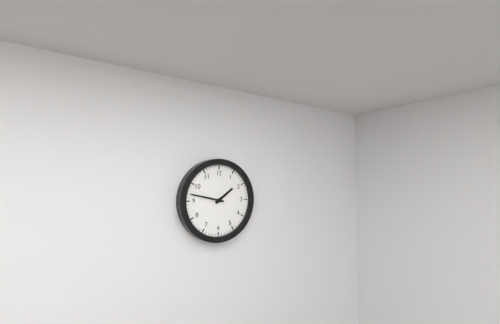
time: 1:47
